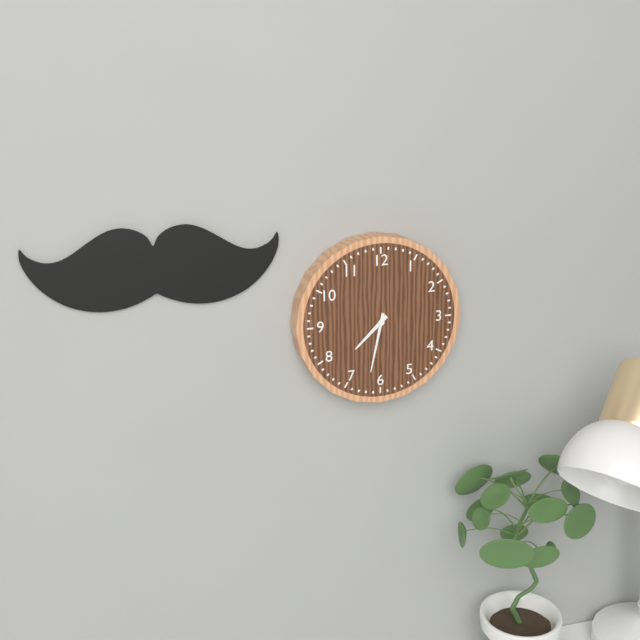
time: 7:32
